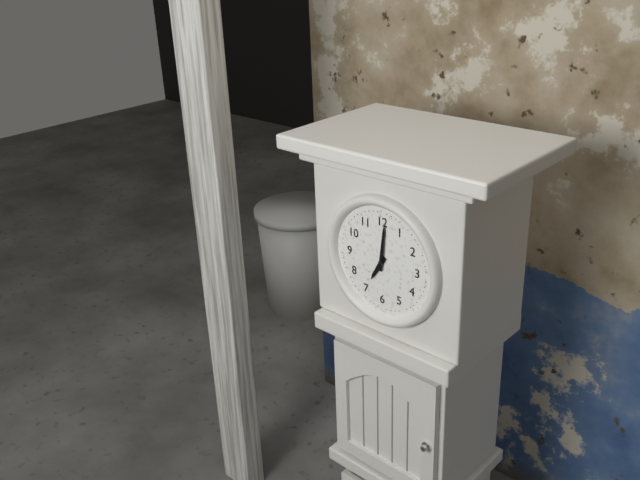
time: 7:01
